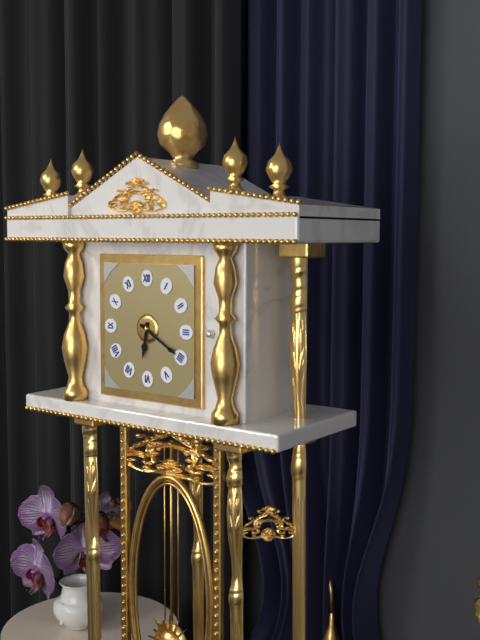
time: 6:20
